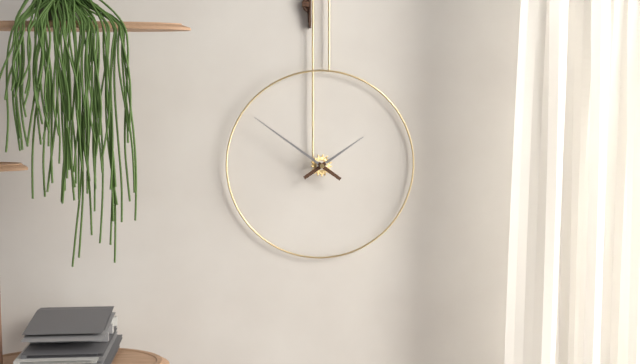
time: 1:51
